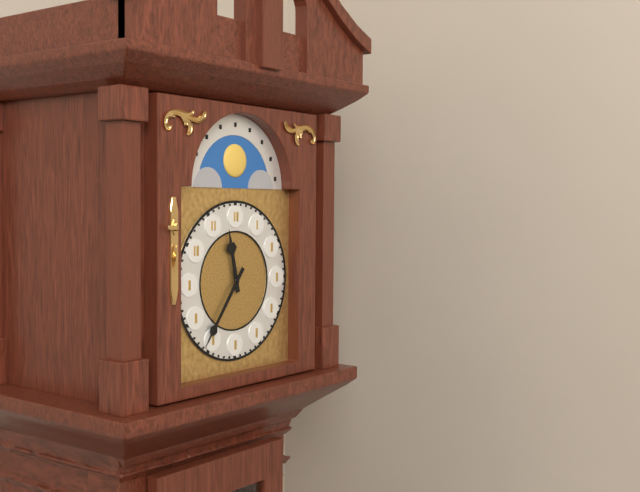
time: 11:36
